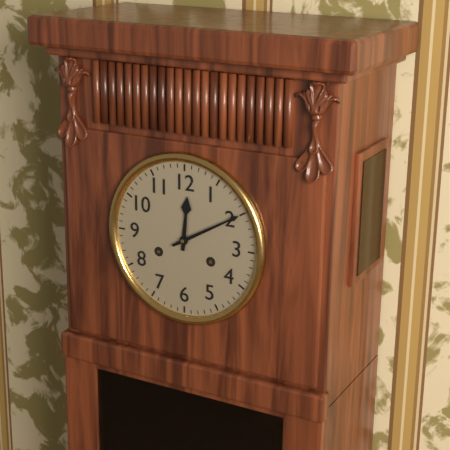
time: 12:10
